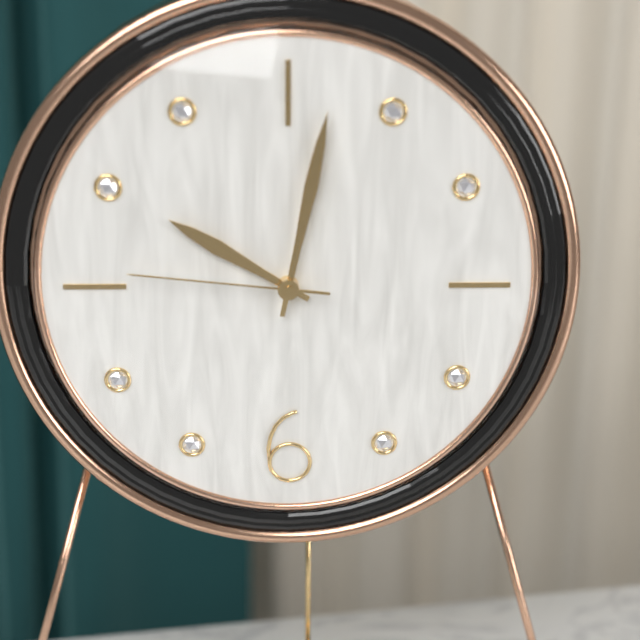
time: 10:02:46
